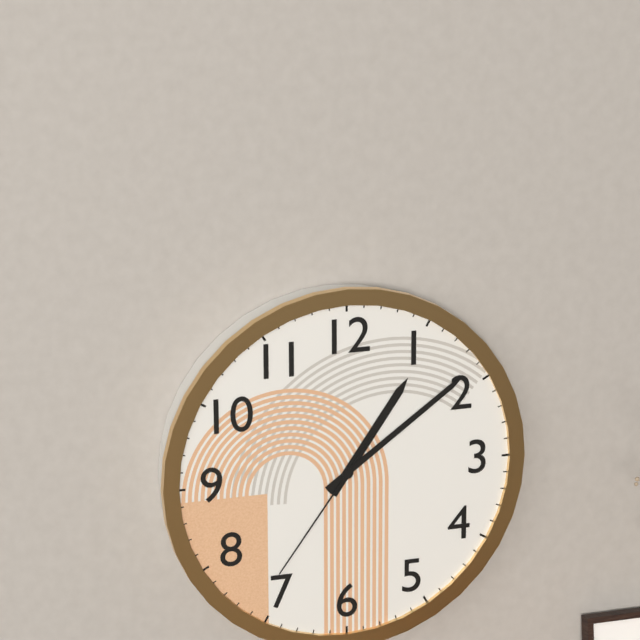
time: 1:09:36
